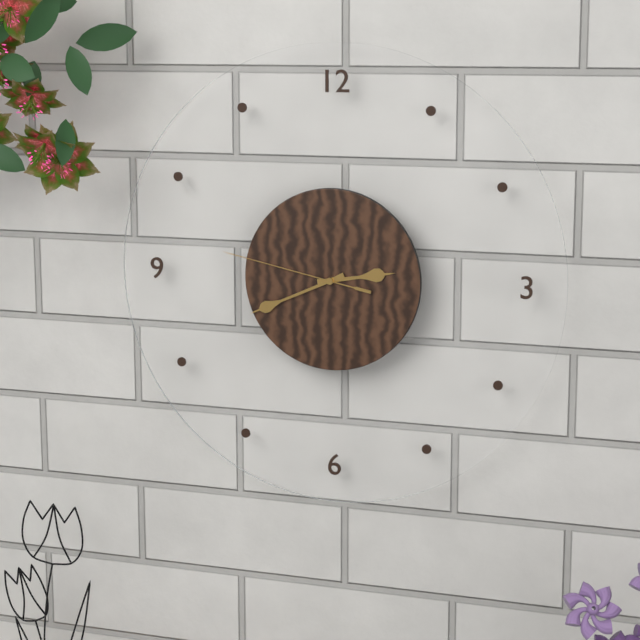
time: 2:41:47
